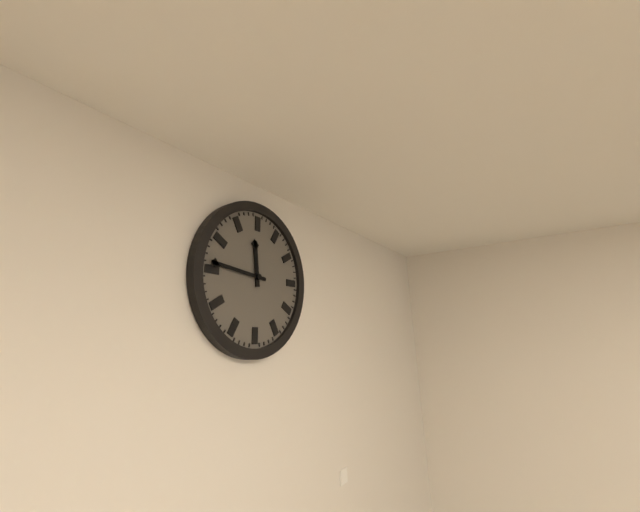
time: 11:46
